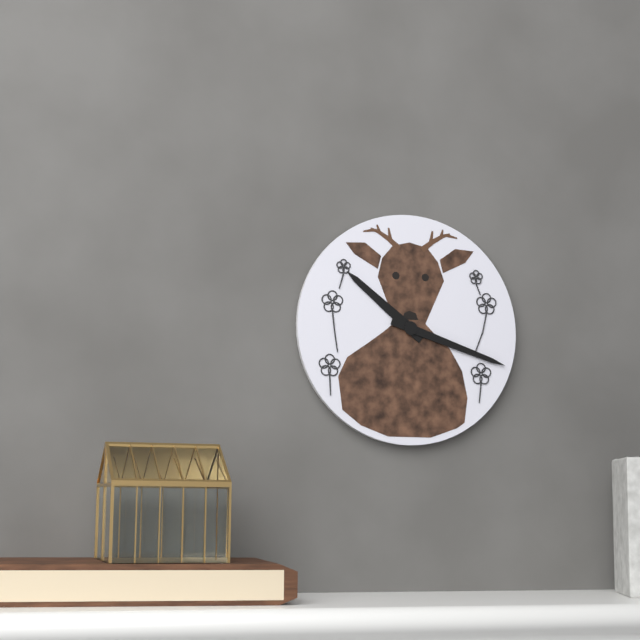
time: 10:18
